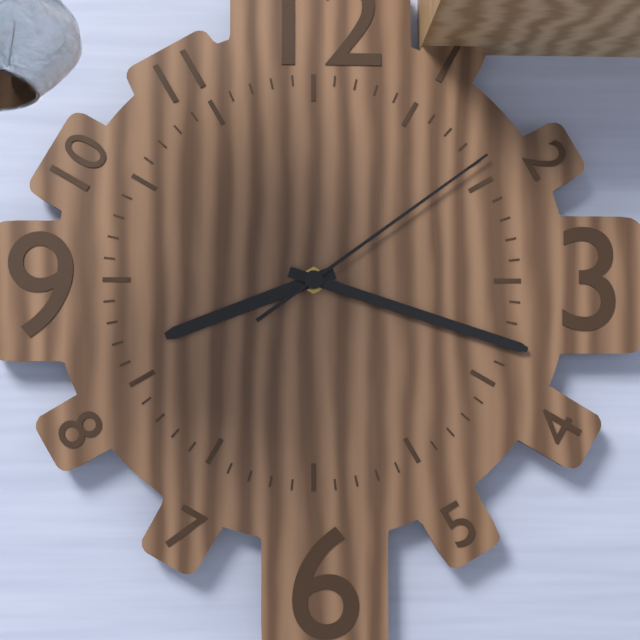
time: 8:18:09
